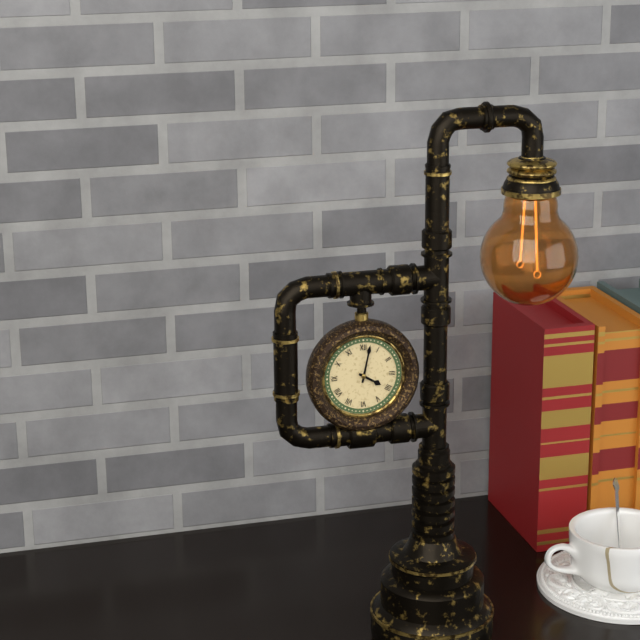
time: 4:02
